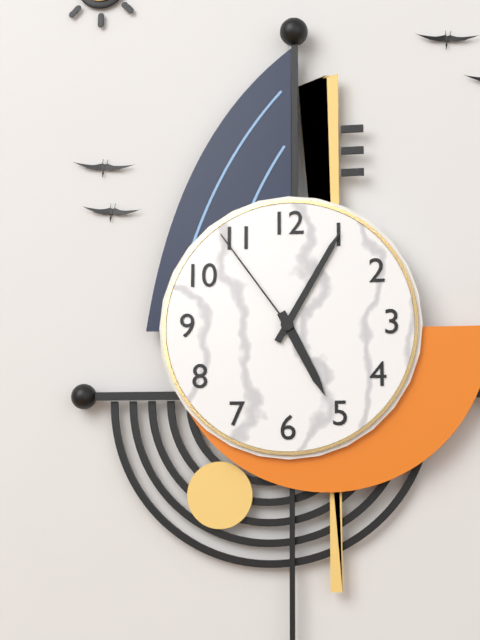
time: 5:05:54
